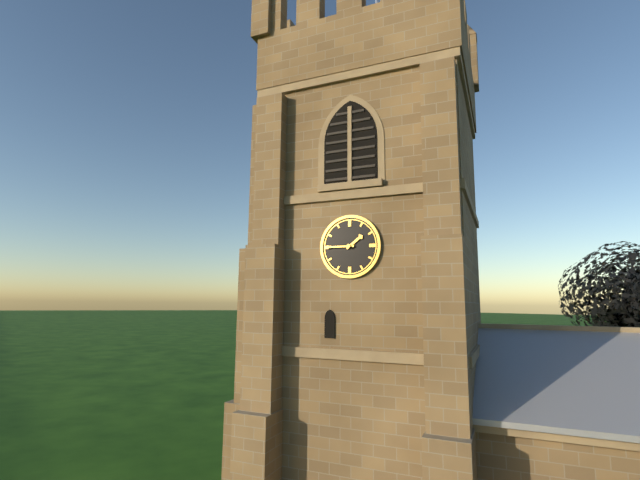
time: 1:45
